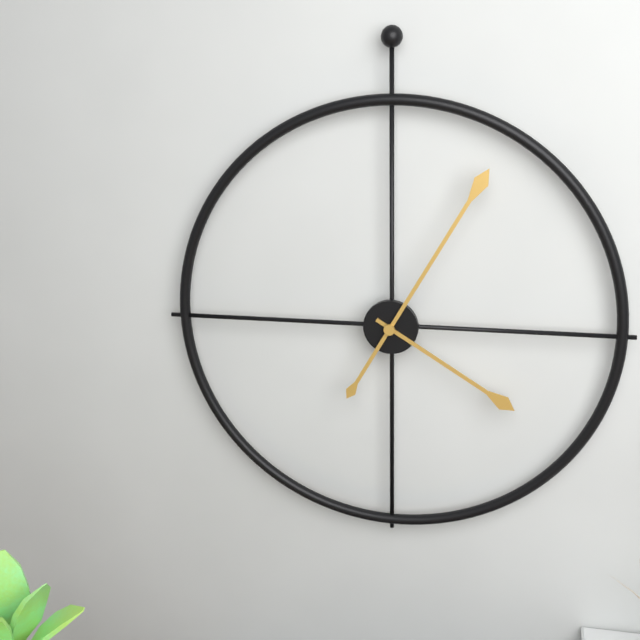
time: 4:05
